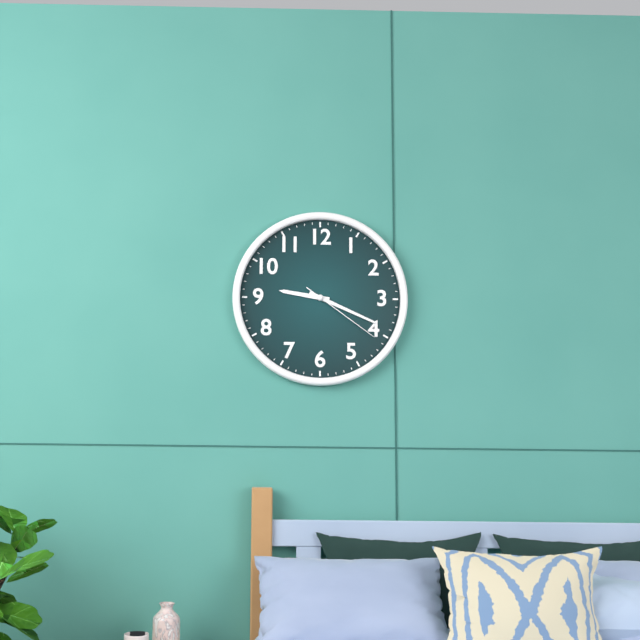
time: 9:19:21
